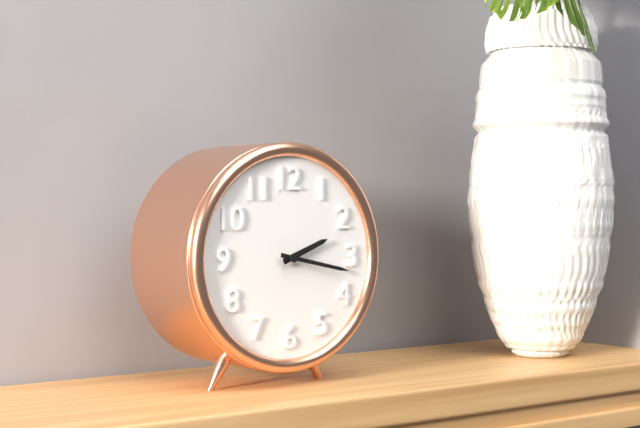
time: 2:17
